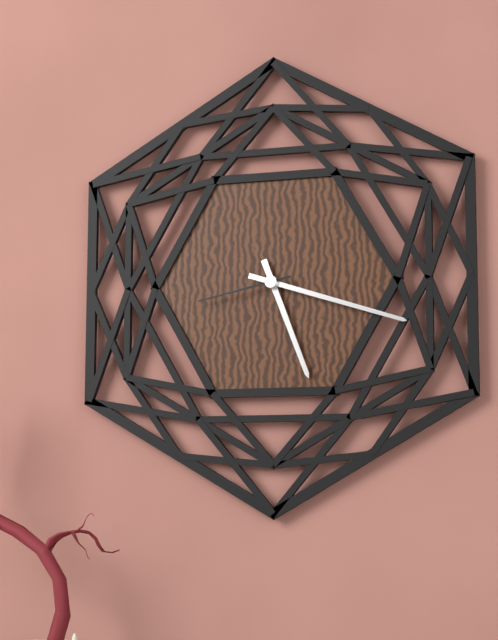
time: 5:18:43
